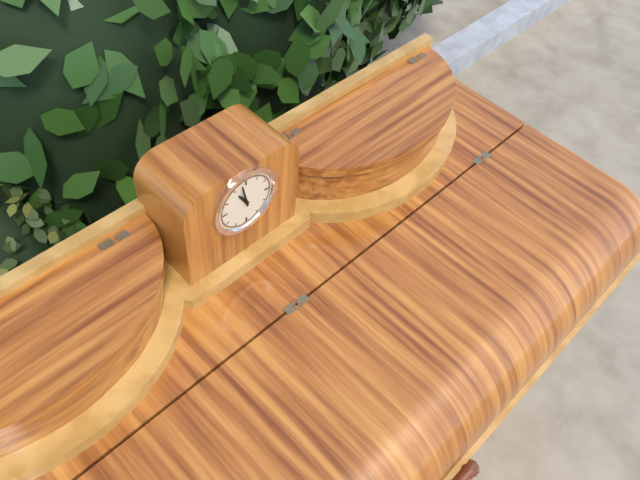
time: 10:58
